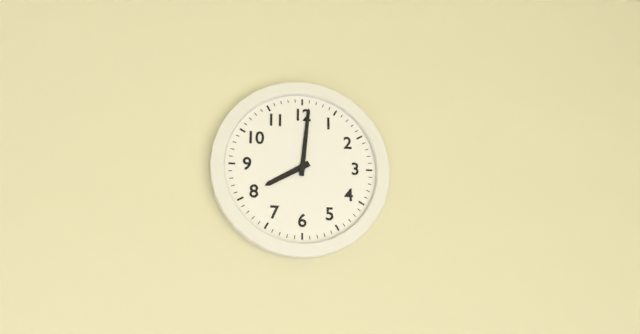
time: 8:01
